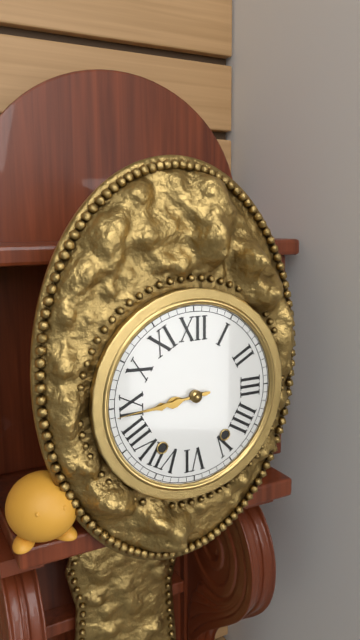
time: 8:44
